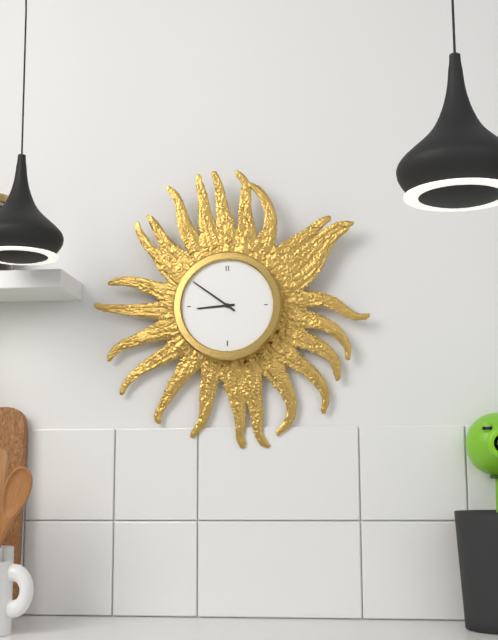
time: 8:51
